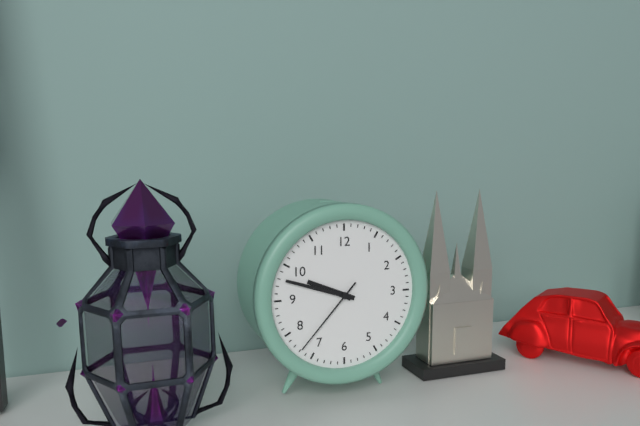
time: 9:48:37
